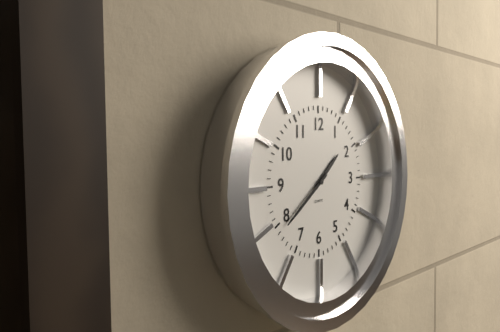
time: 1:39
